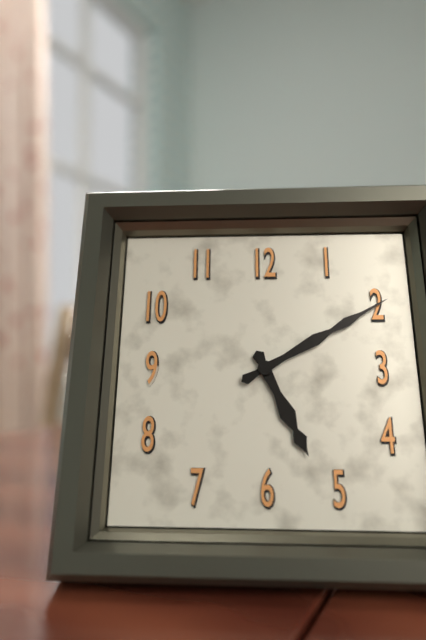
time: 5:10
